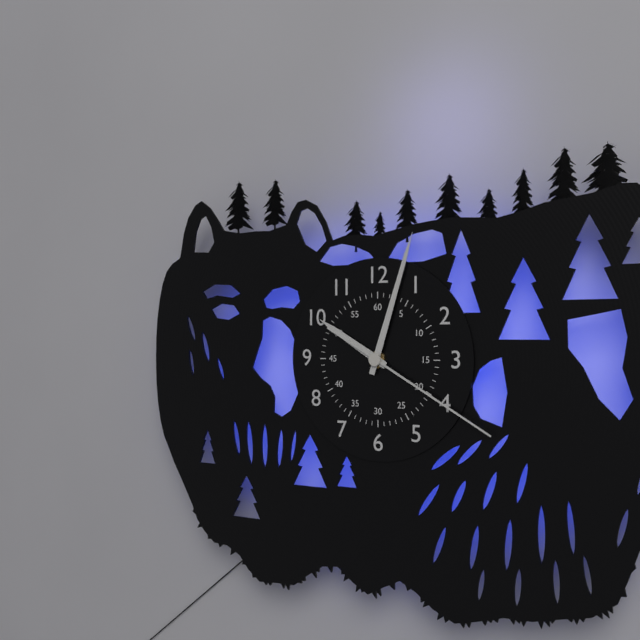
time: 10:03:20
